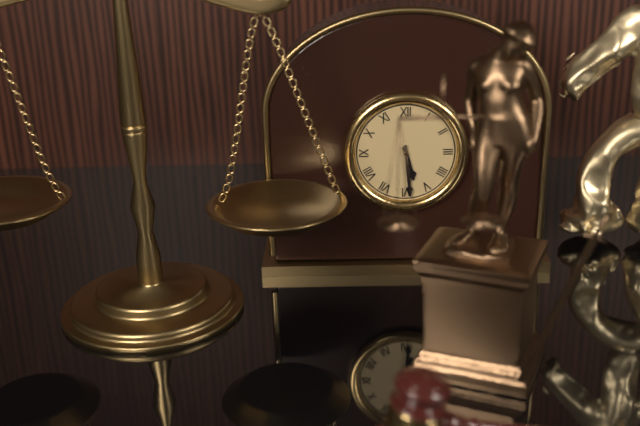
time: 5:29
